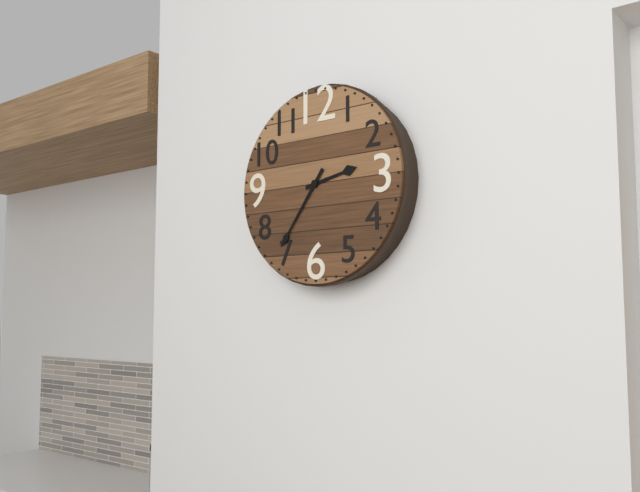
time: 2:36
